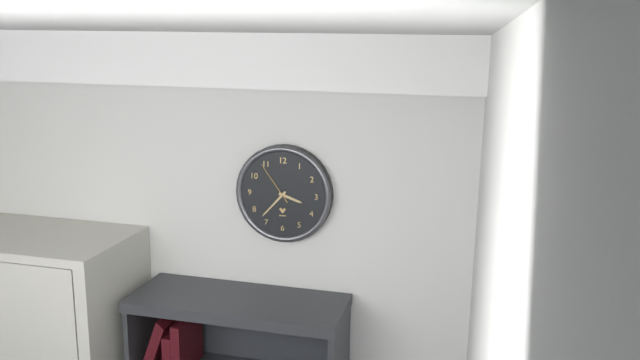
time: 3:37
